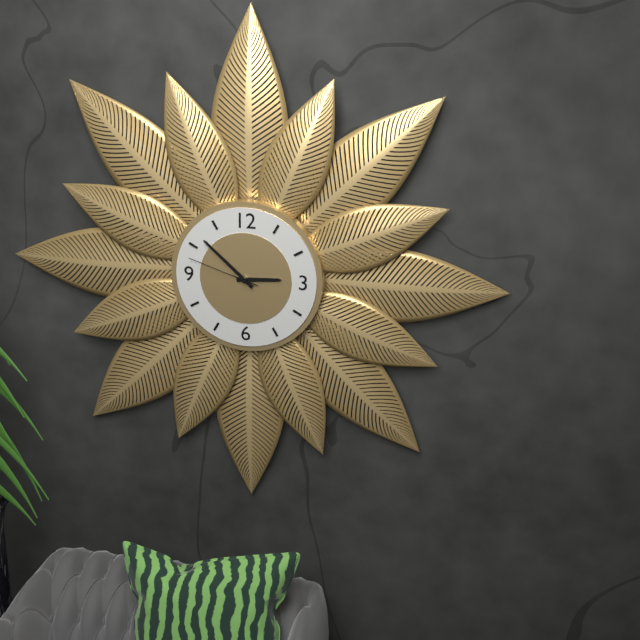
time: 2:52:48
